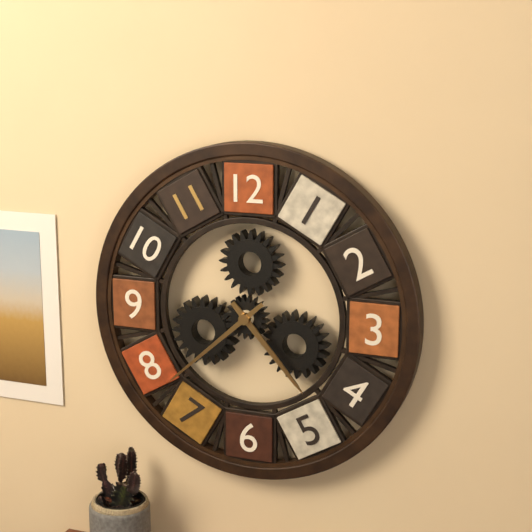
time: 4:38
